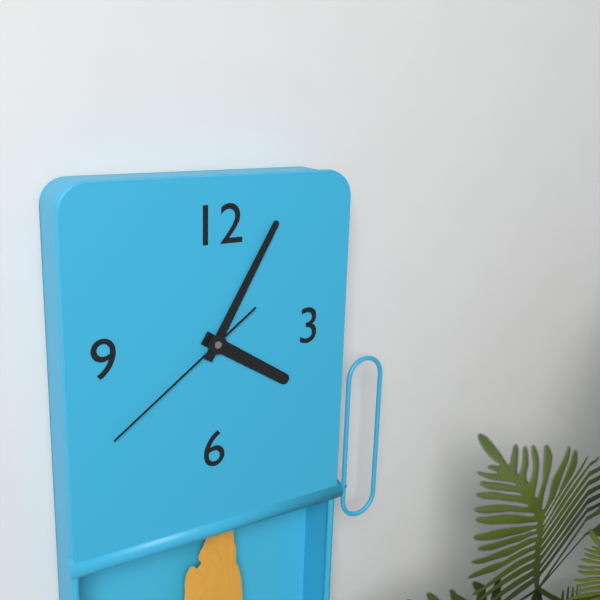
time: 4:05:39
